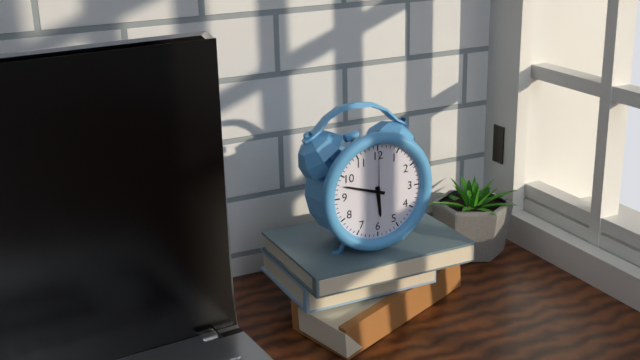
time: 5:48:00
